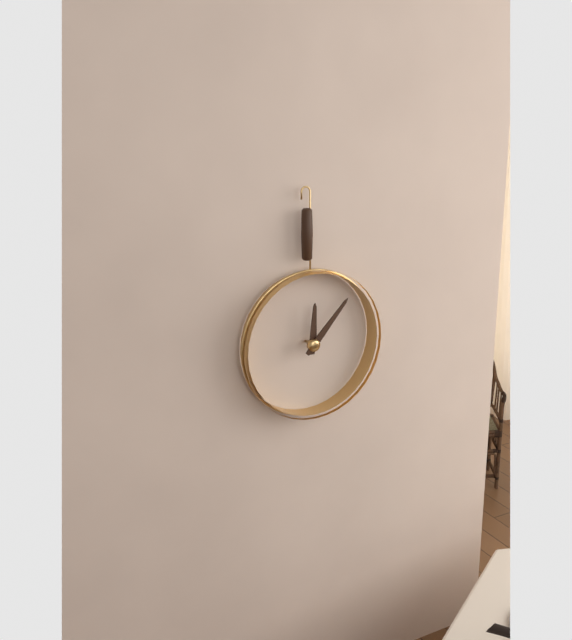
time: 12:07
